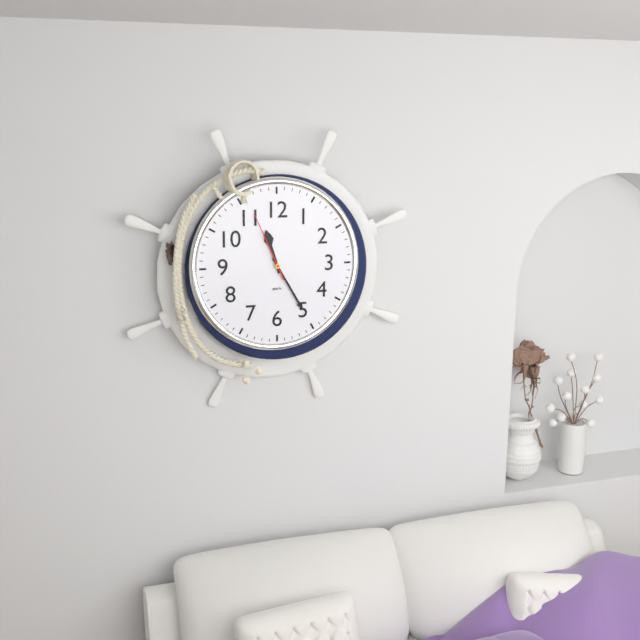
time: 11:25:56
